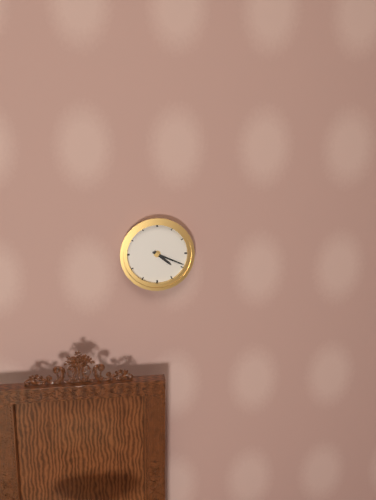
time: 4:19
